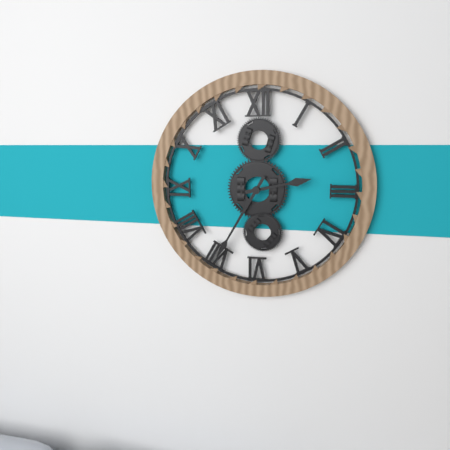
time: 2:35
